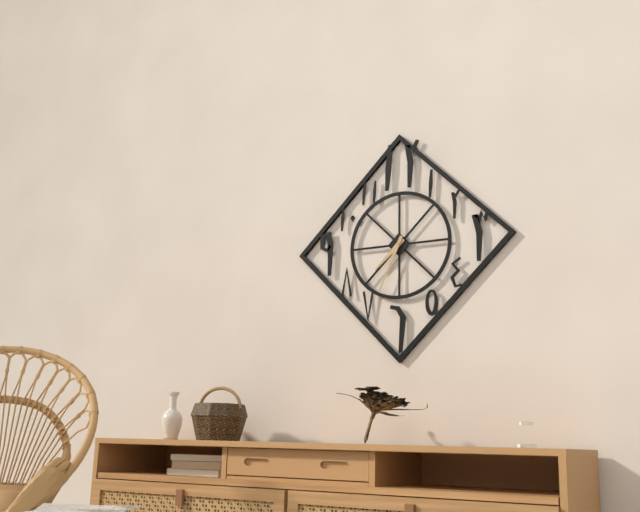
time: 7:34
